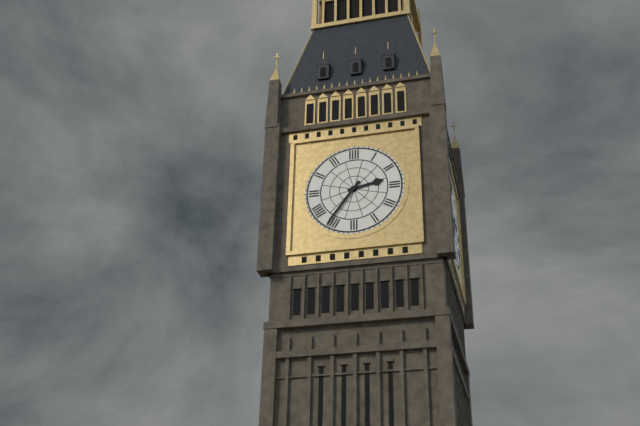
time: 2:36
